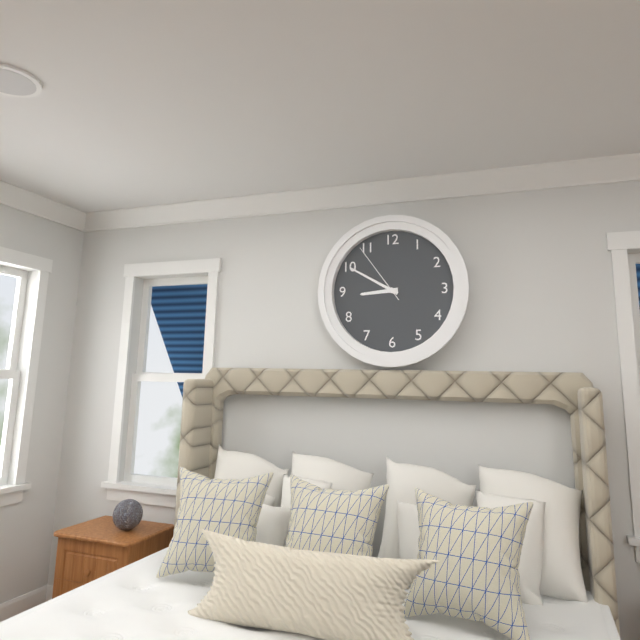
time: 8:50:54
